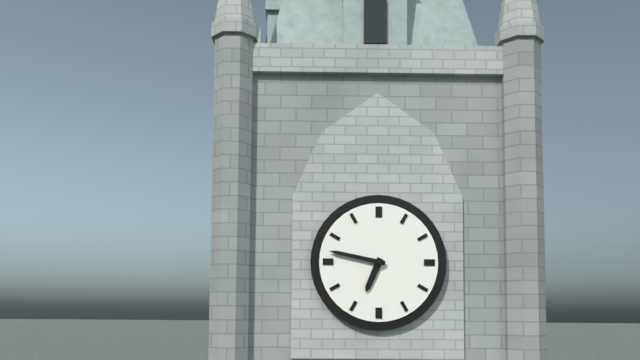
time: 6:47
